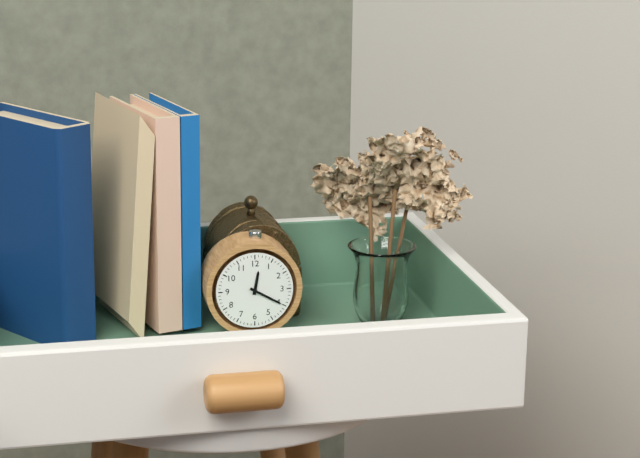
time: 12:20
